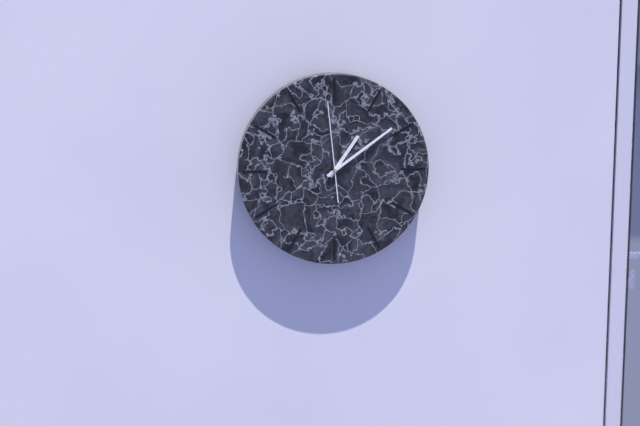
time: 1:09:59
